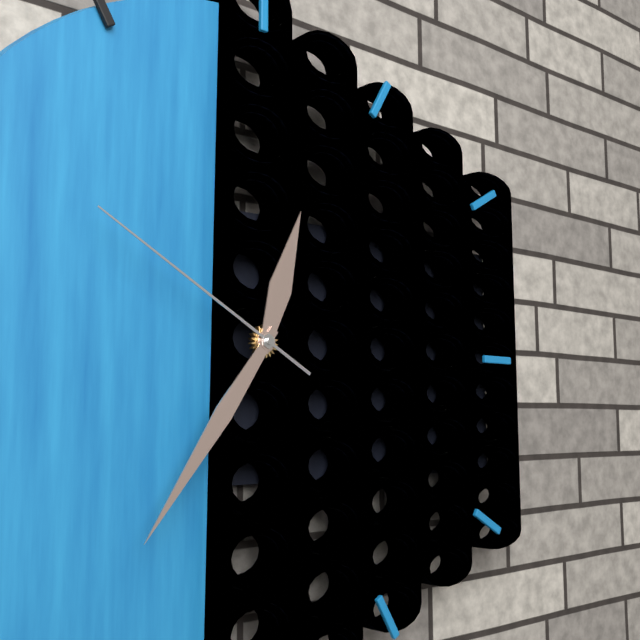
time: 12:36:50
